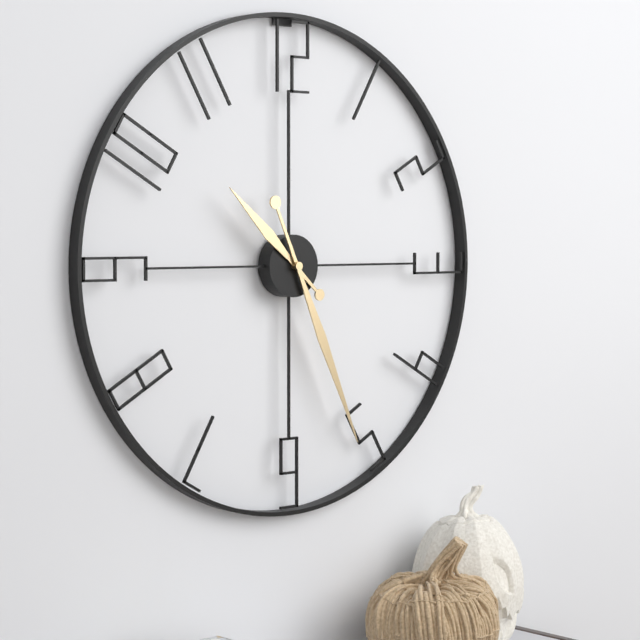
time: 10:26
